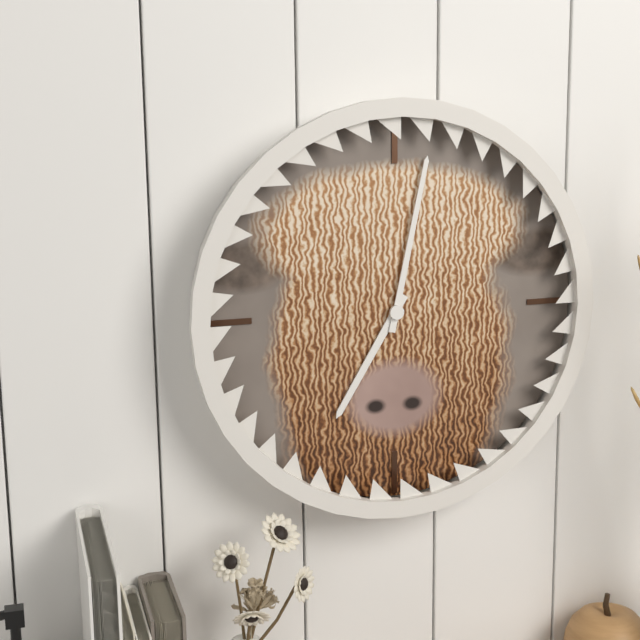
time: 7:02
